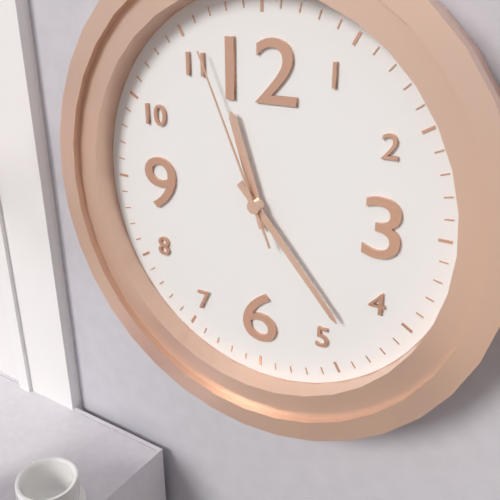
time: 11:23:56
